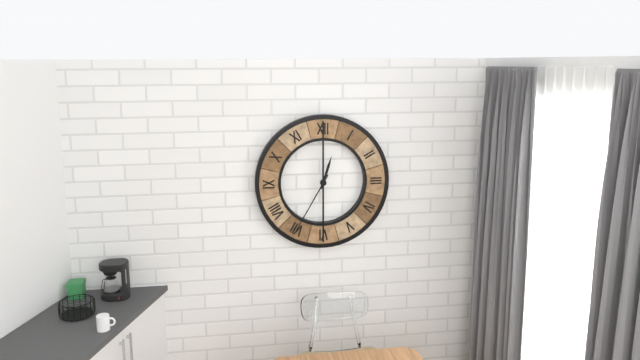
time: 12:35
